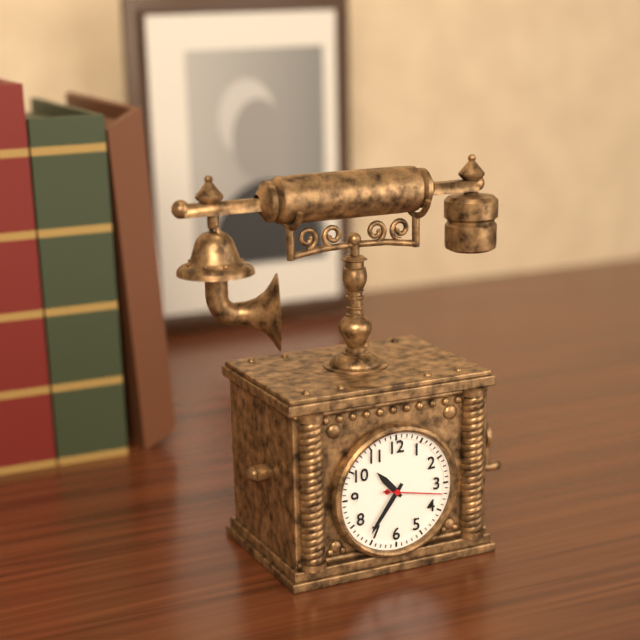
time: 10:36:17
